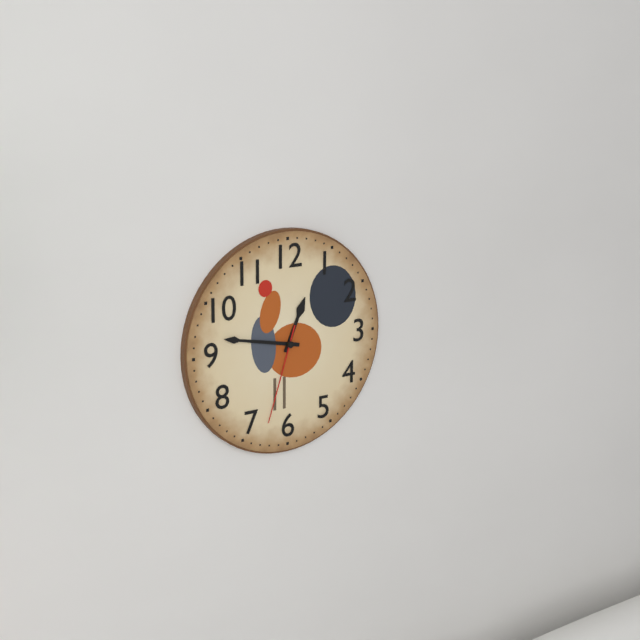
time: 12:47:33
